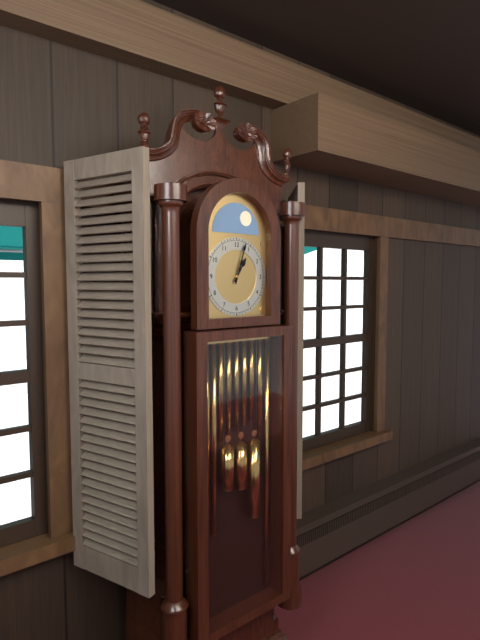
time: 1:03
